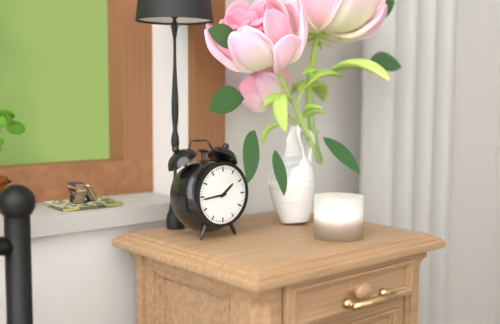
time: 1:44
